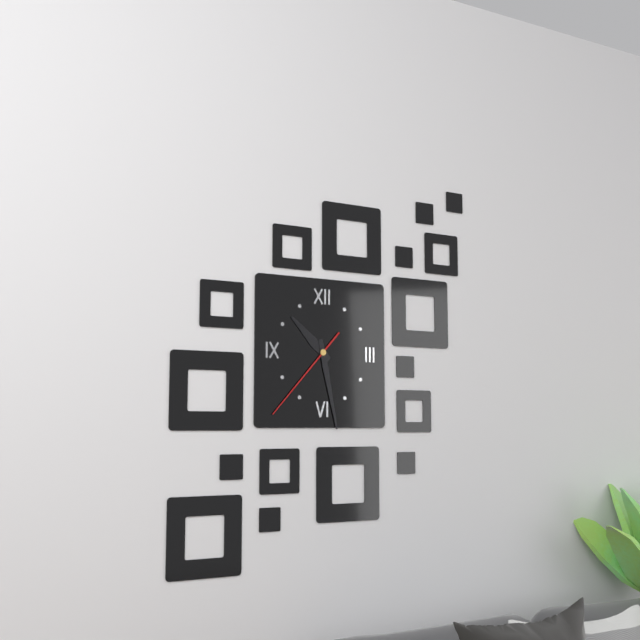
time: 10:28:37
